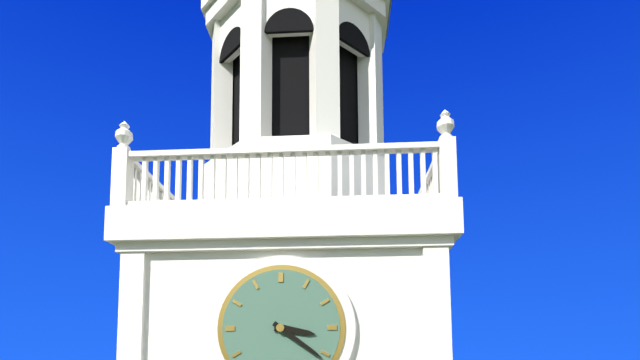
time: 3:21
